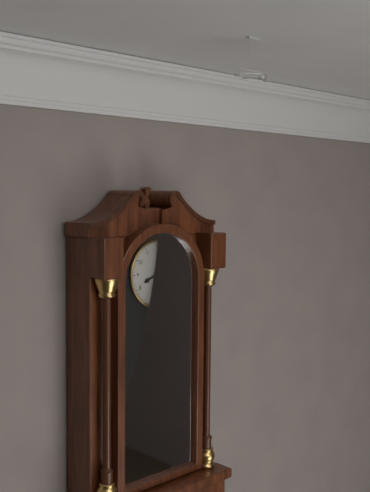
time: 8:10
